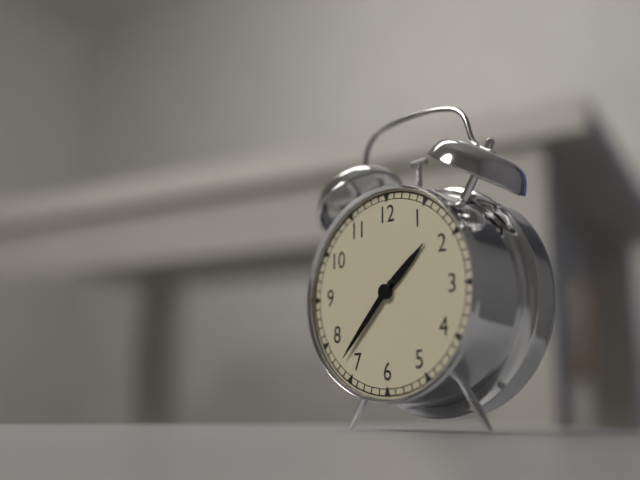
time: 1:37
